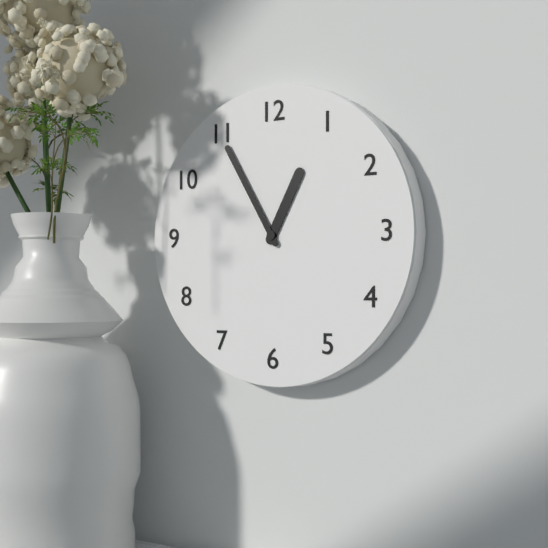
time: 12:55
